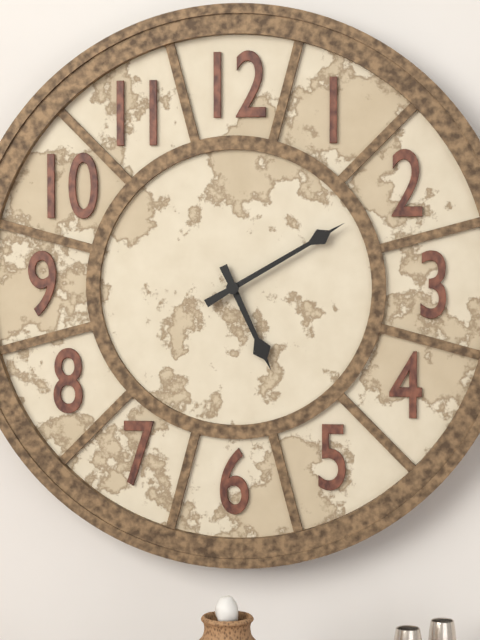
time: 5:10
